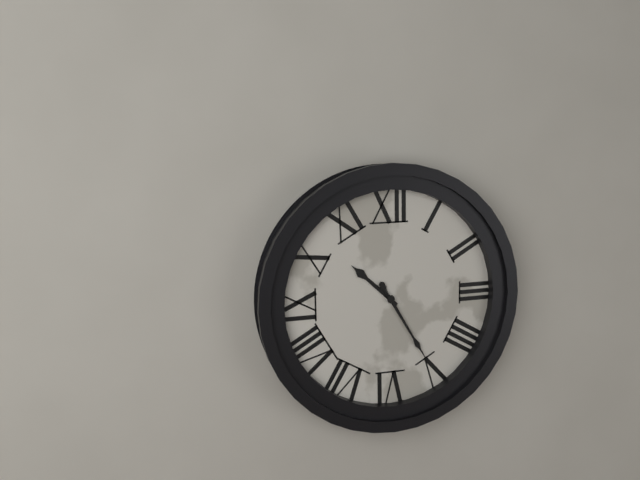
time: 10:25
